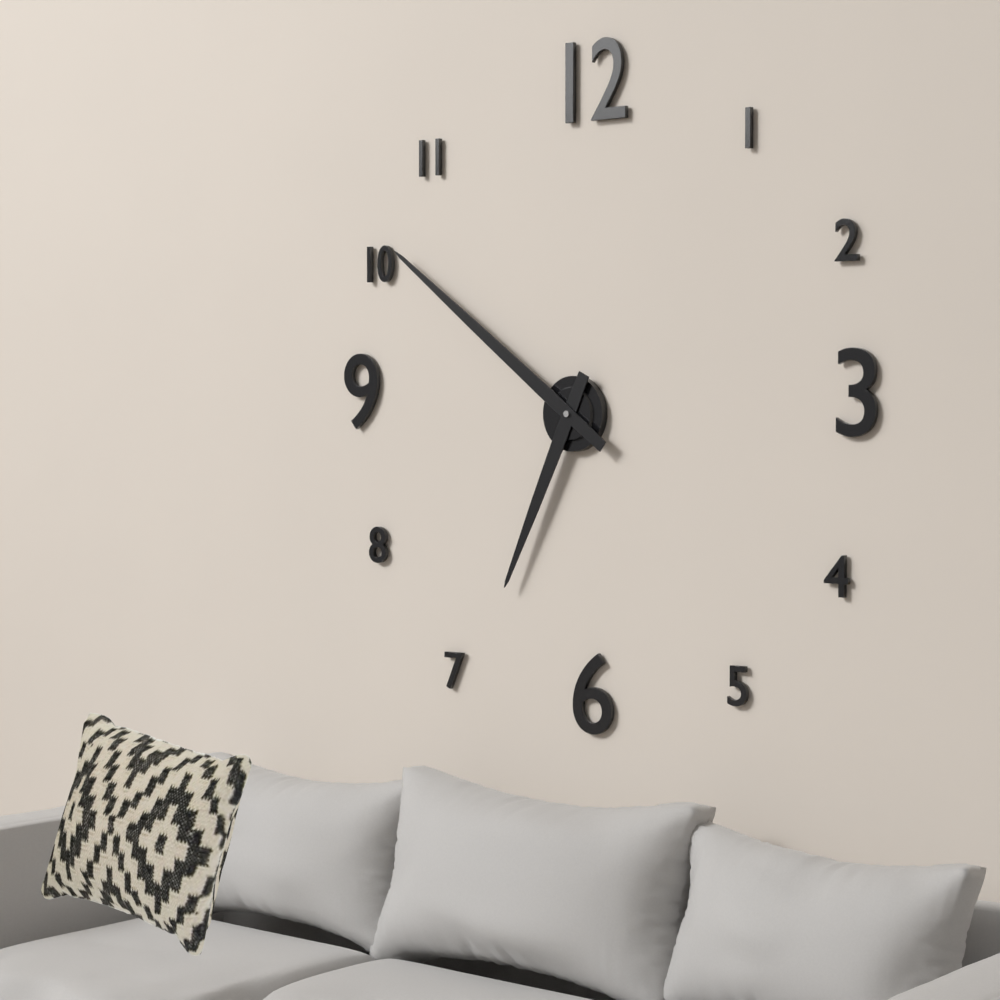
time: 6:51
